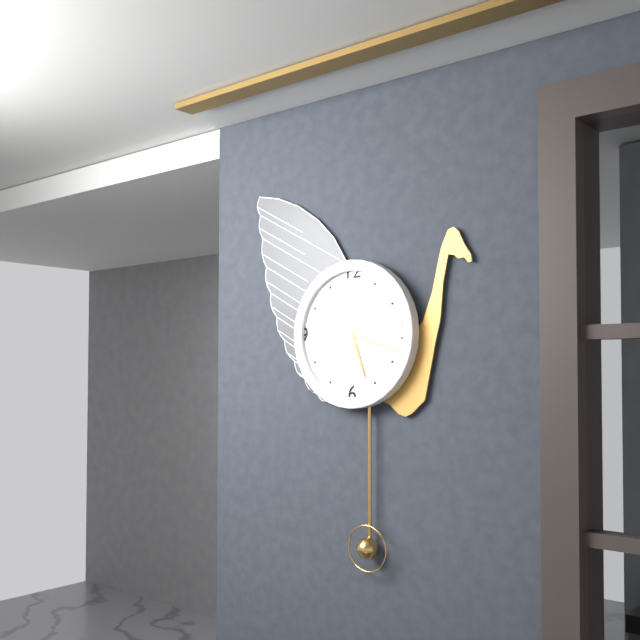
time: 5:18
